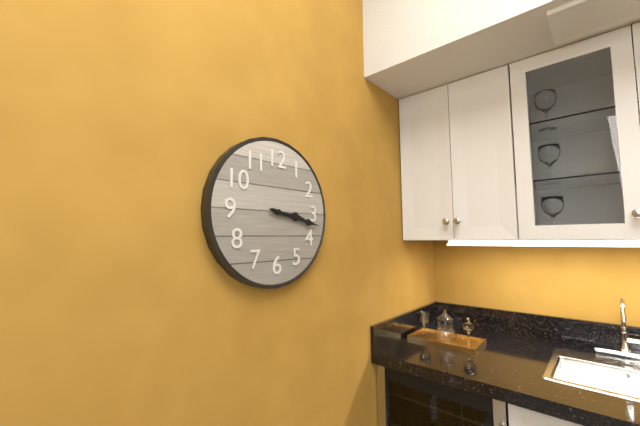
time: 3:17
